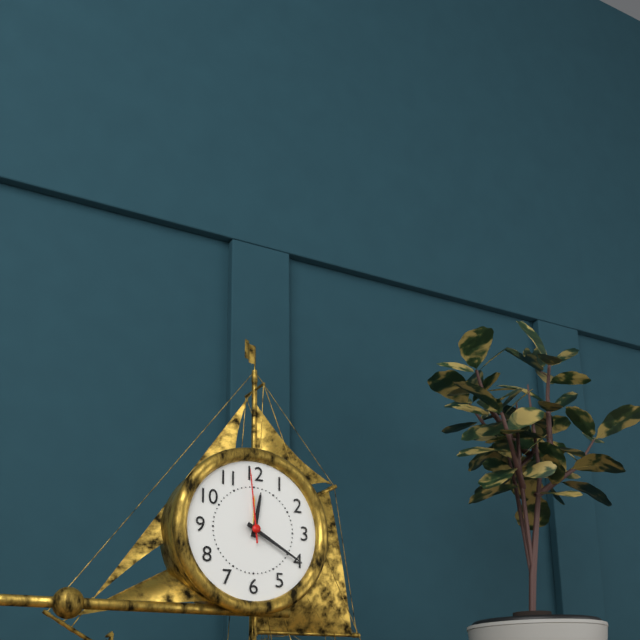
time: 12:20:59
